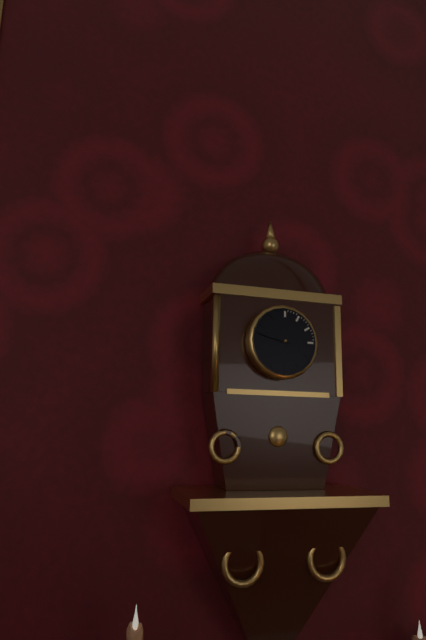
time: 2:47
